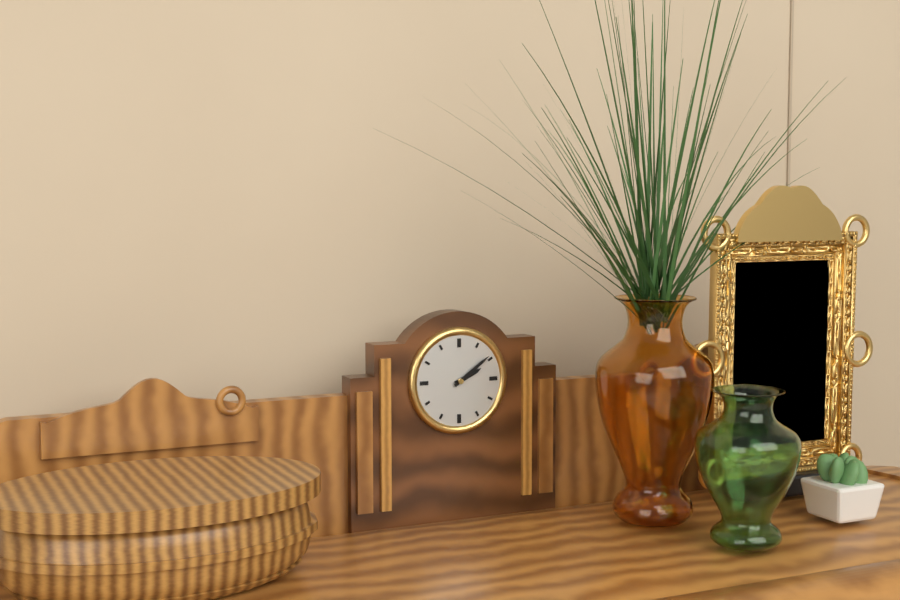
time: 2:09
